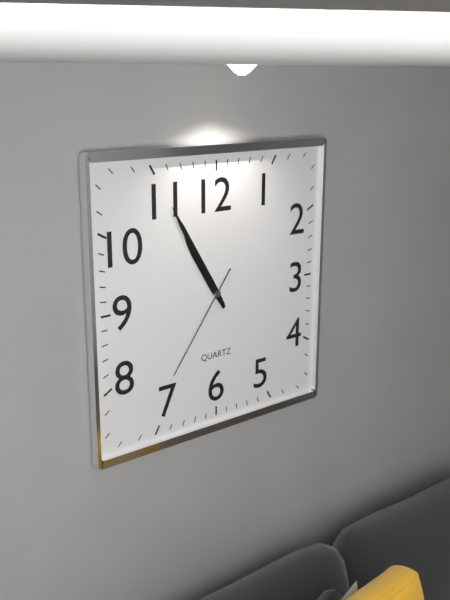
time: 10:55:36
